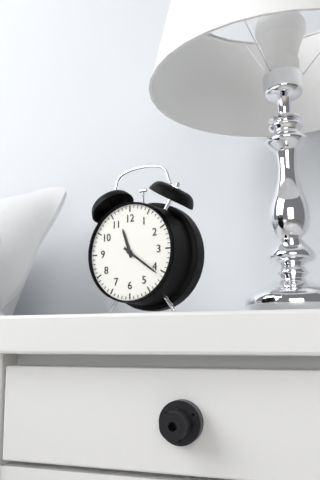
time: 11:21
